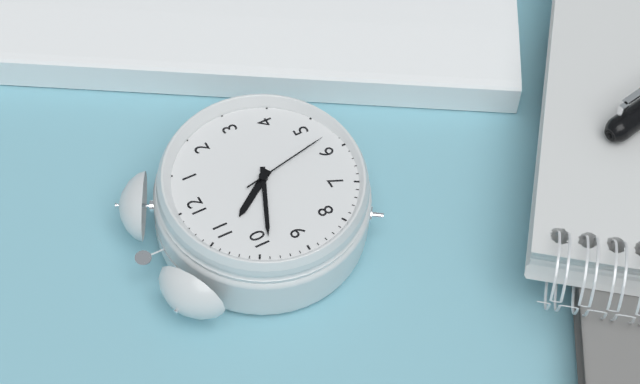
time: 10:49:28
